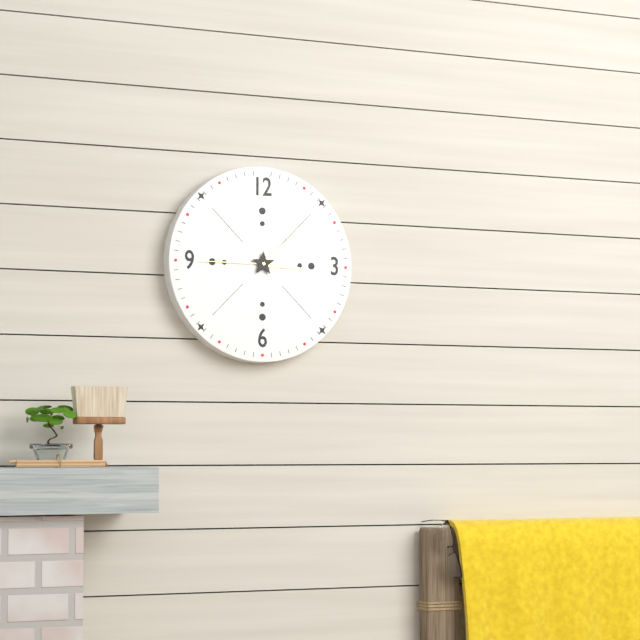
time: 3:08:45
